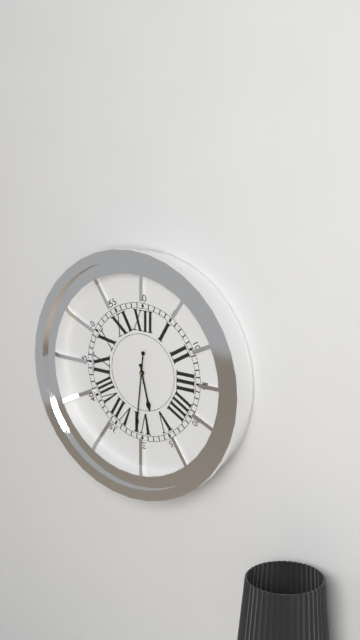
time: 5:31
